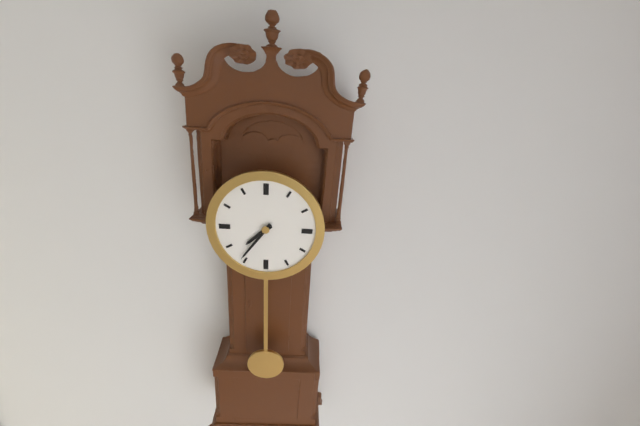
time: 7:36
